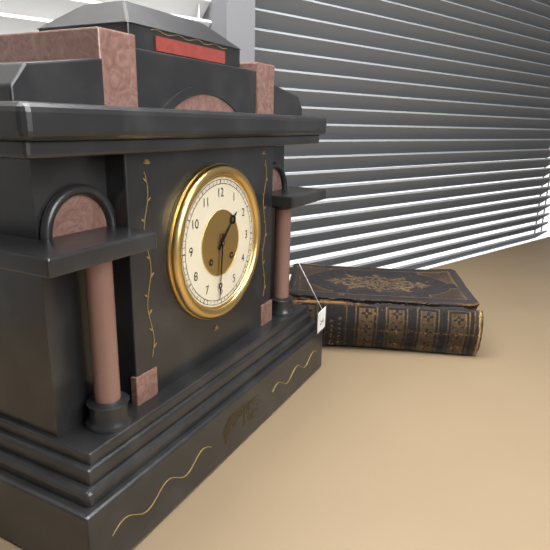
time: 1:31
